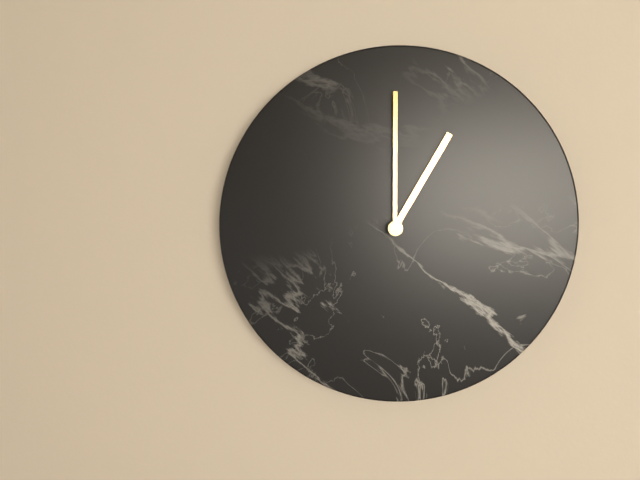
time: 1:00
